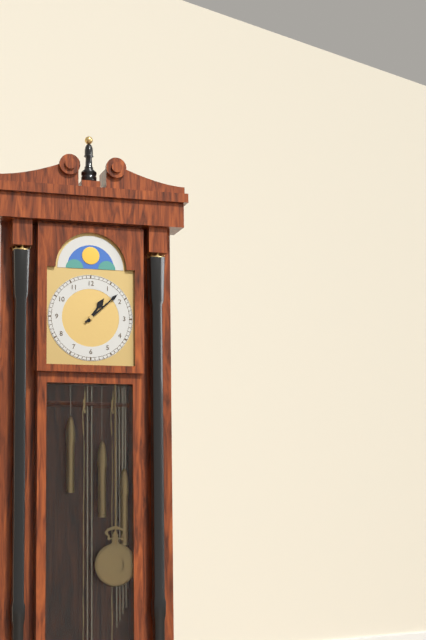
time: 1:08
